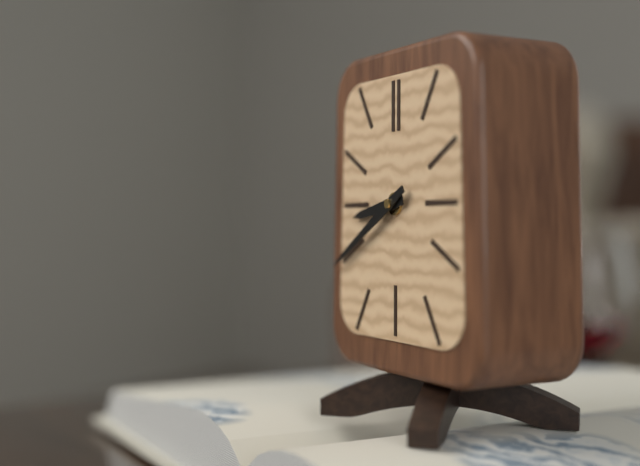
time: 8:40
